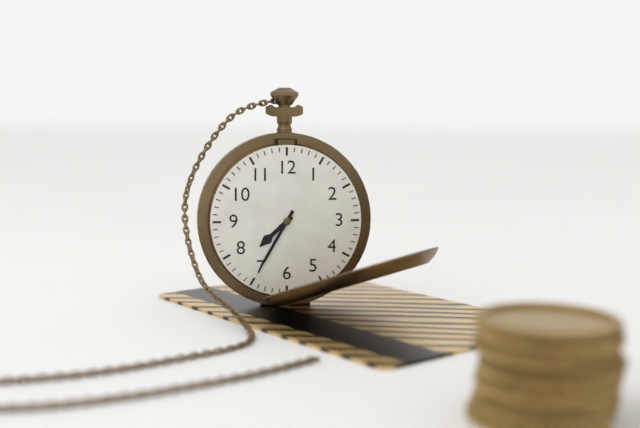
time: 7:35
